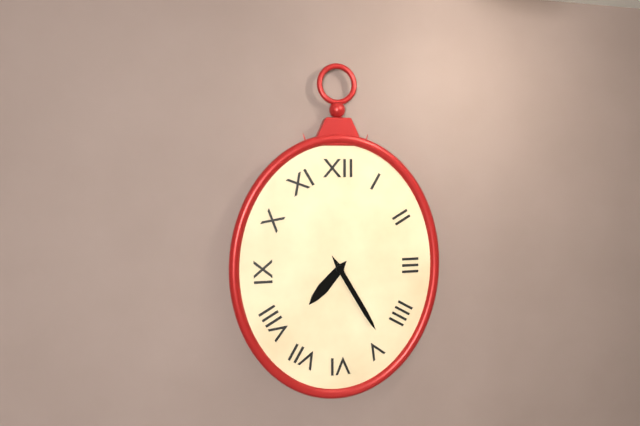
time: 7:25
